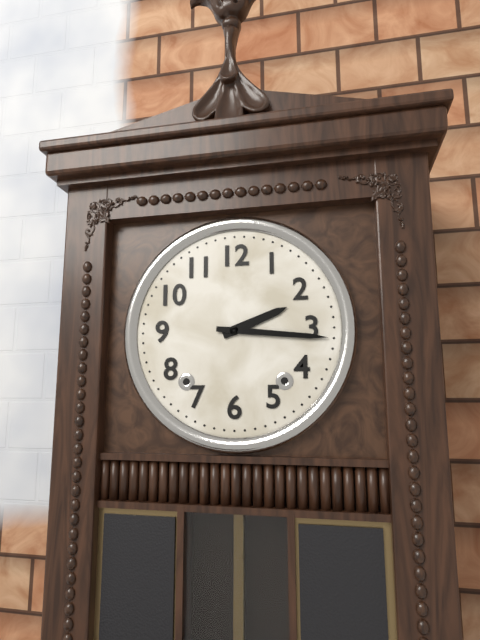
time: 2:16
